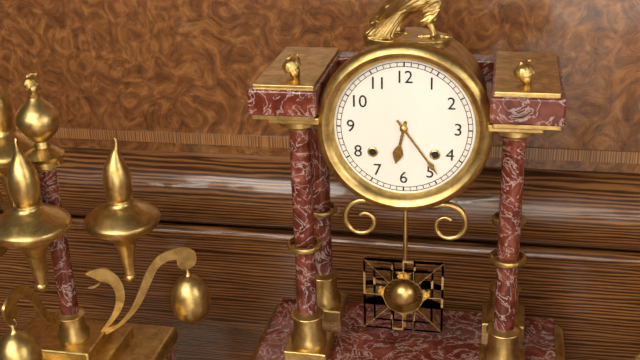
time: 6:24
